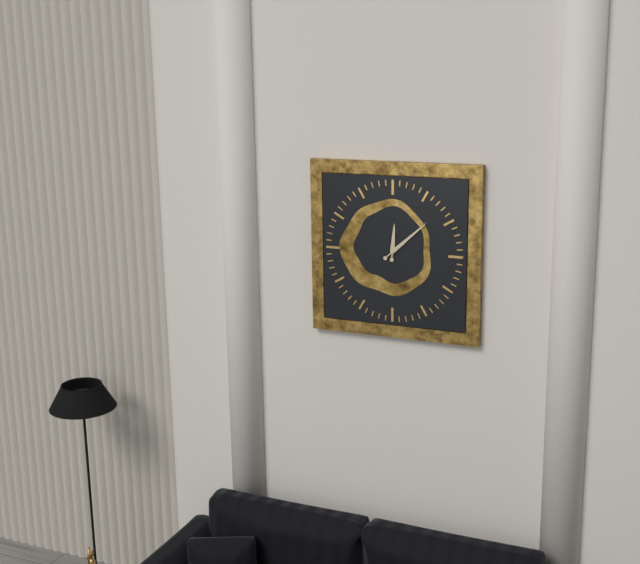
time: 12:08
